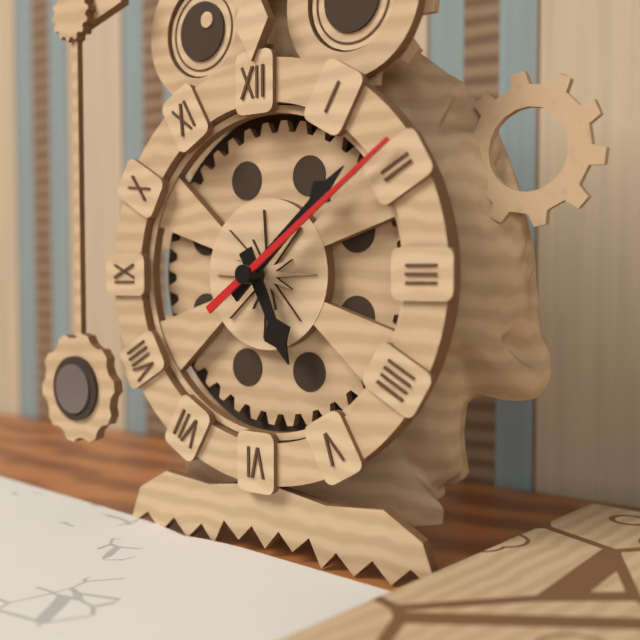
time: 5:08:09
